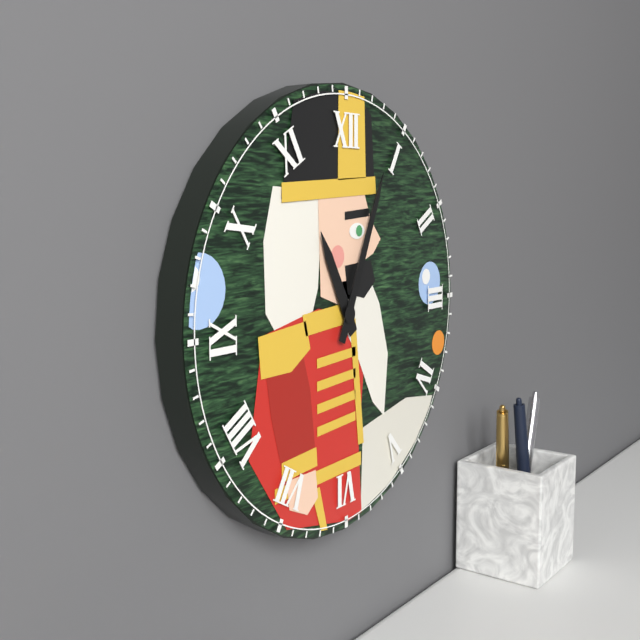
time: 11:04
